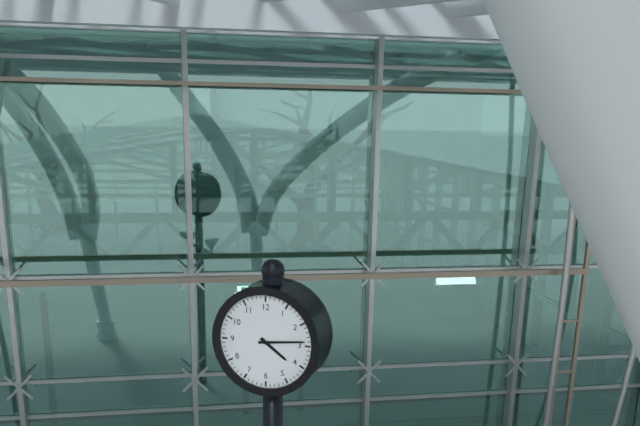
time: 4:14
